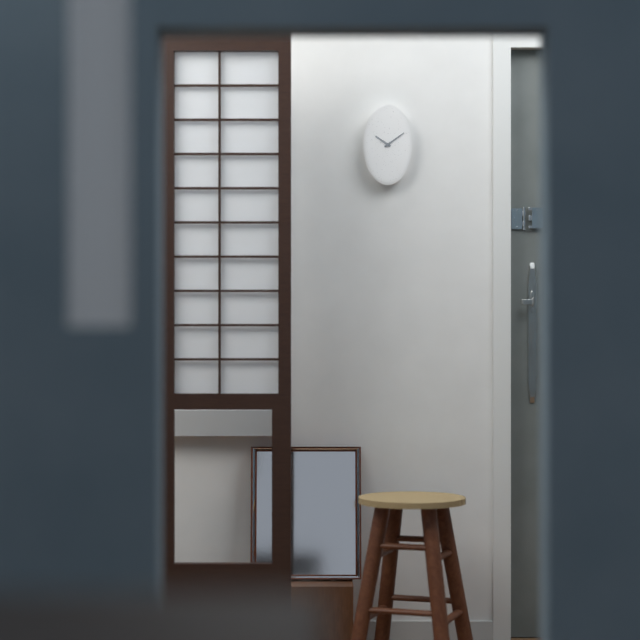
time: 10:09
